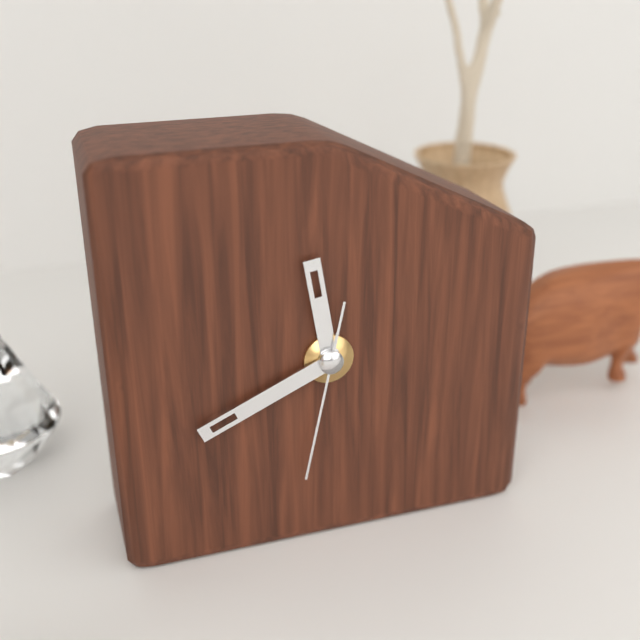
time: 11:41:32
